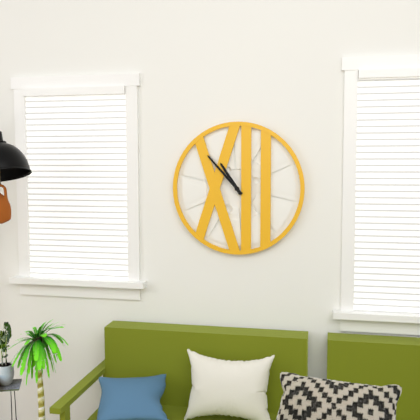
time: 10:53
